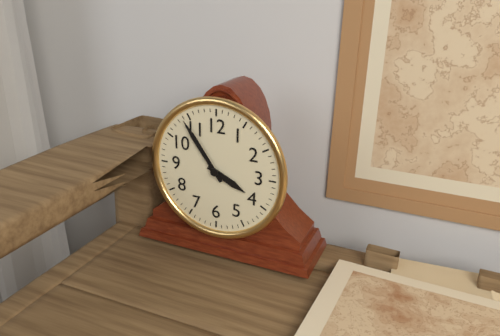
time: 3:54
